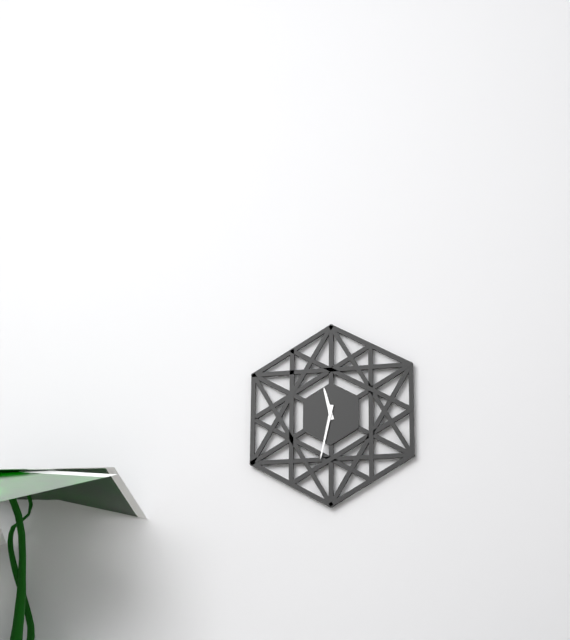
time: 11:32
